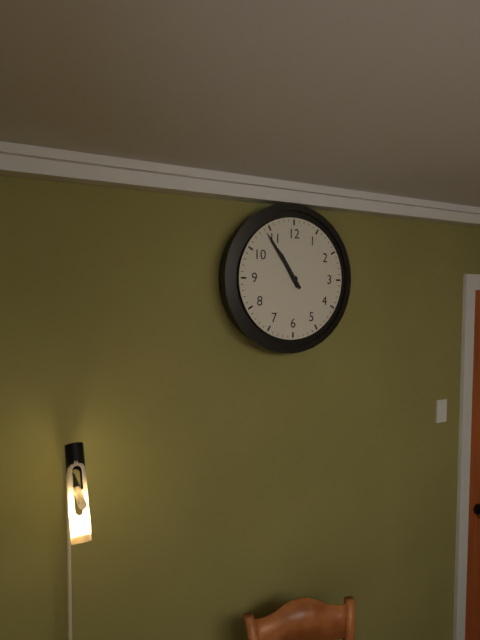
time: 10:54
